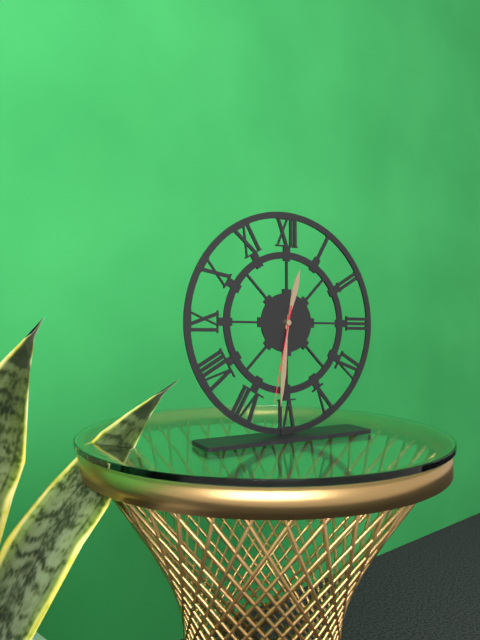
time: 12:31:32
